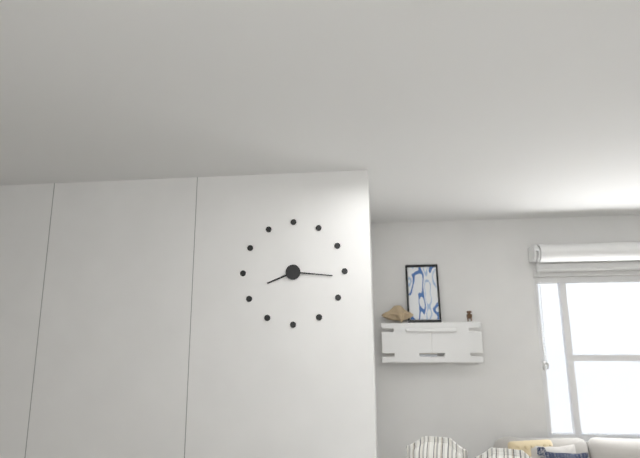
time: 8:16
